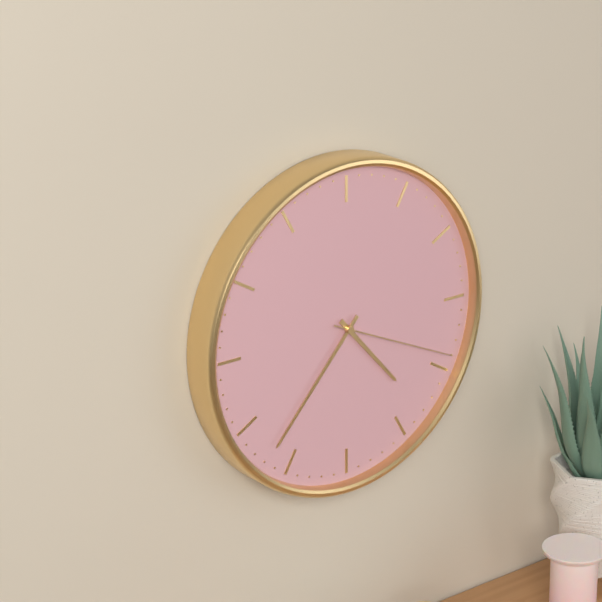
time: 4:37:19
